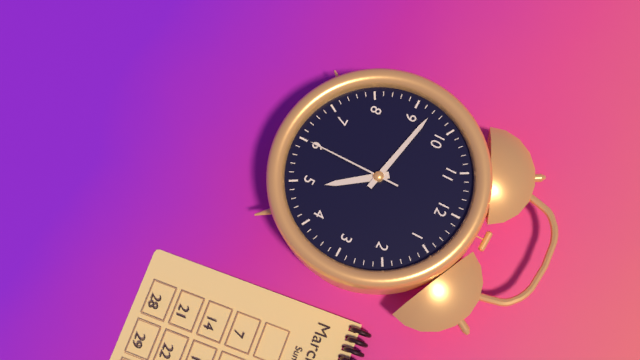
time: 4:47:30
